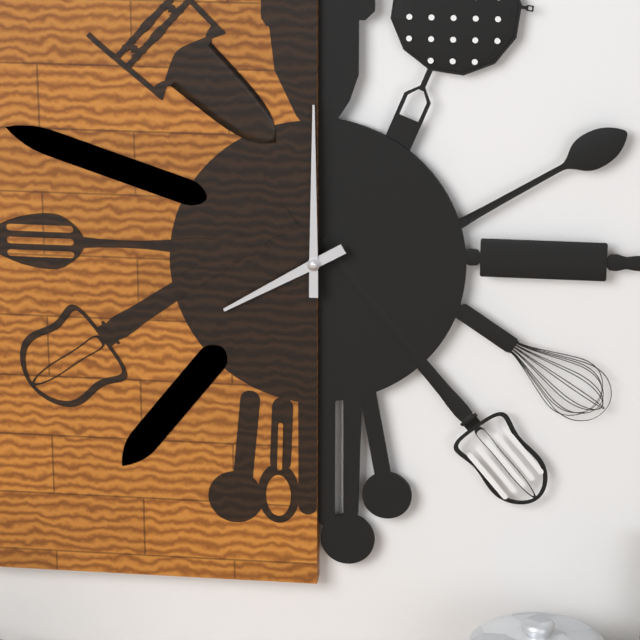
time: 8:00
